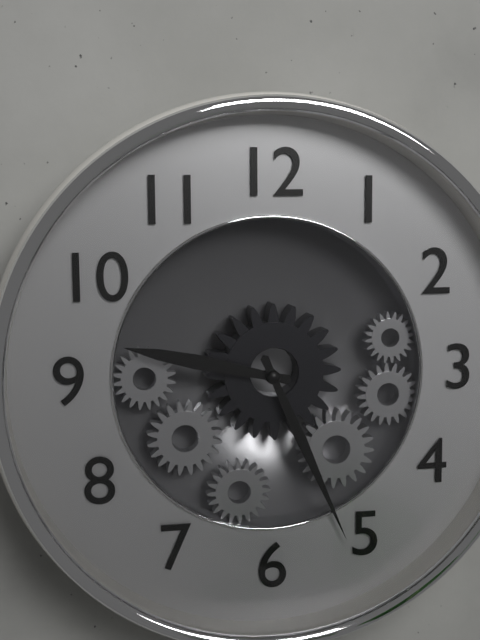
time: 9:26
